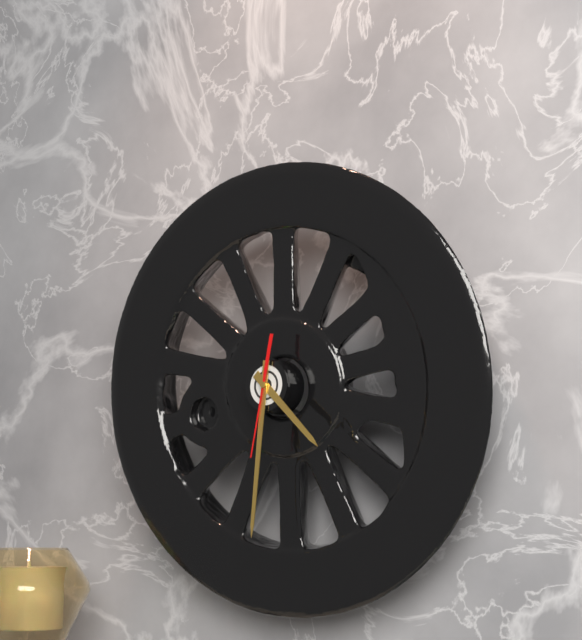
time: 4:31:32
